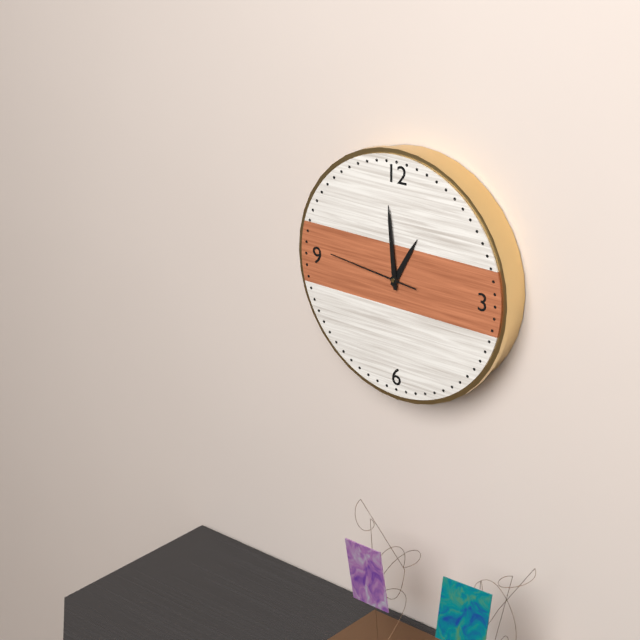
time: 12:59:46
